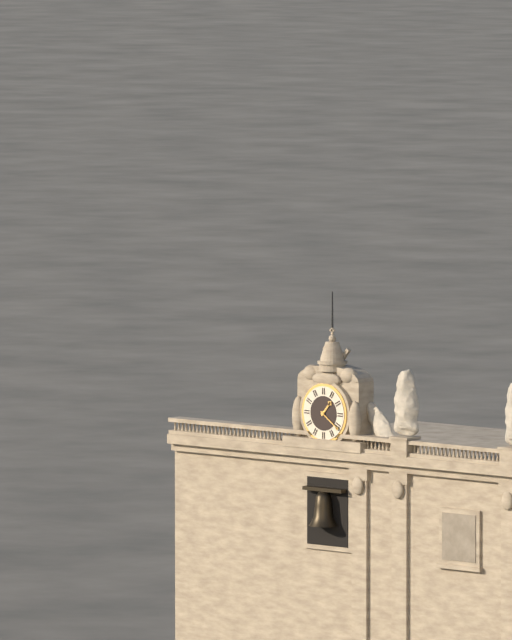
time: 1:21
